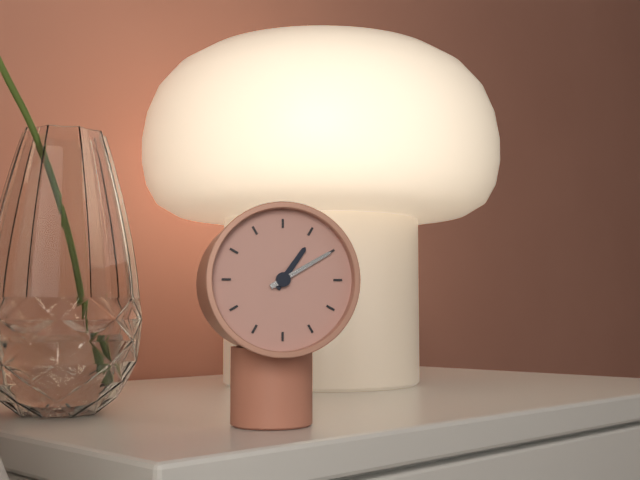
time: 1:10
